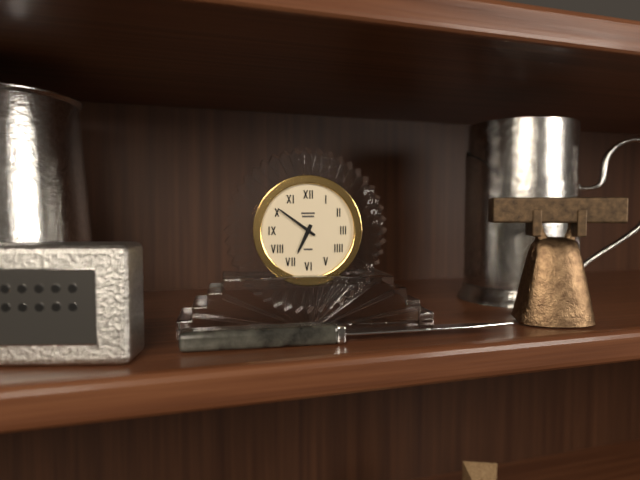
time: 6:51
